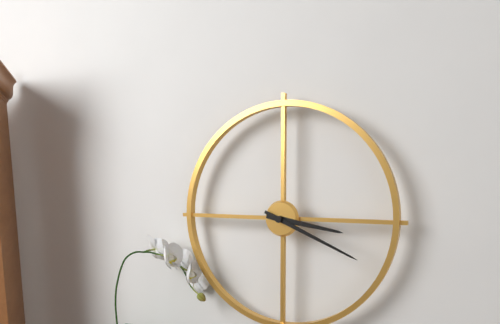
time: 3:19
